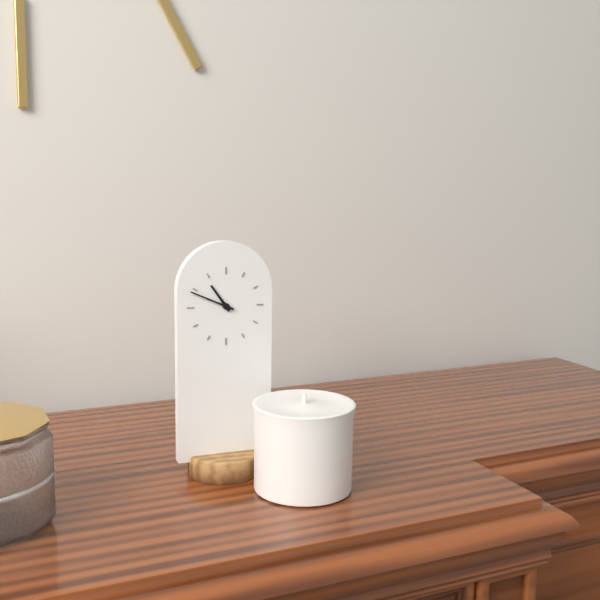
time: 10:49
